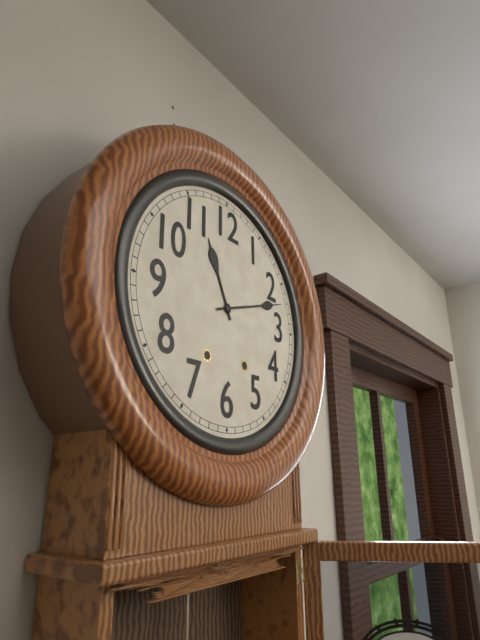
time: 11:12
